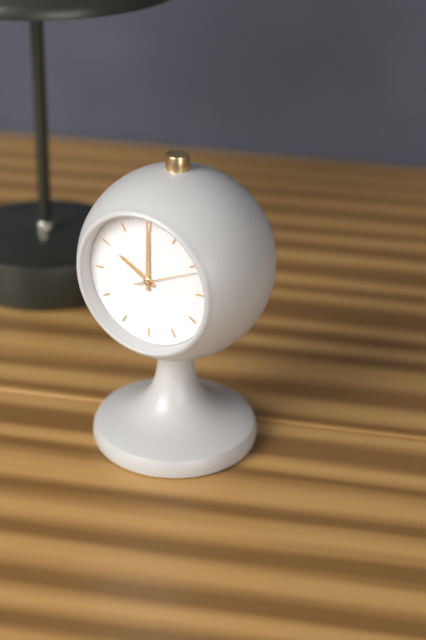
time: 10:00:11
